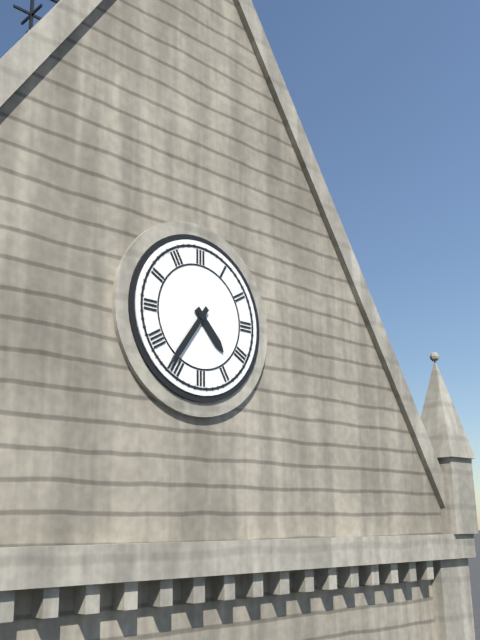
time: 4:36
